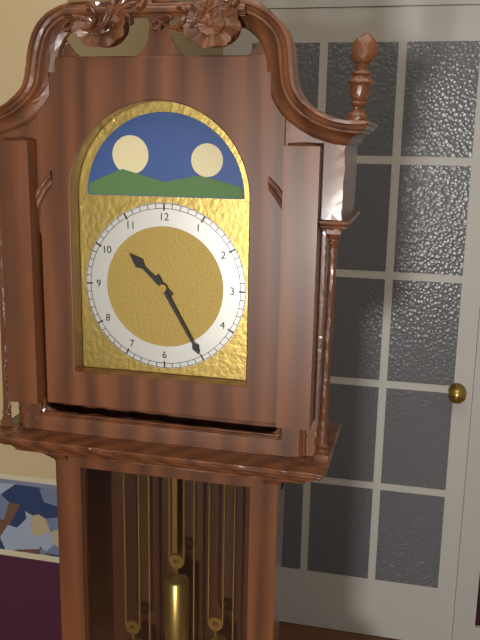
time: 10:25
